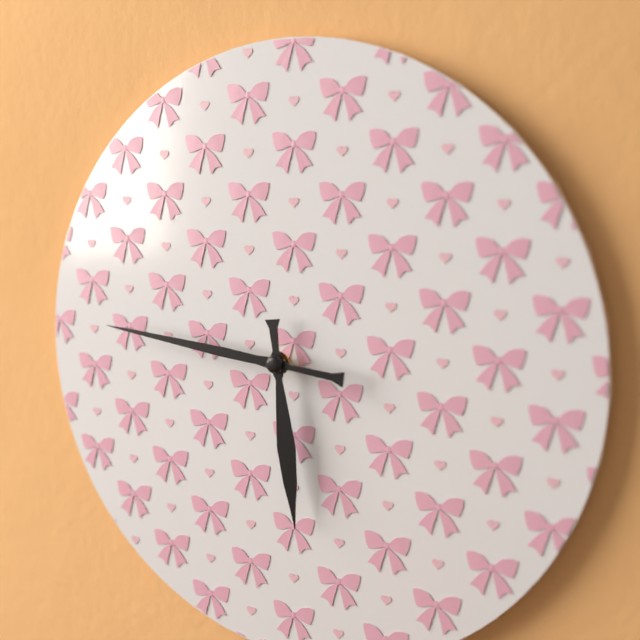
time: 5:46
